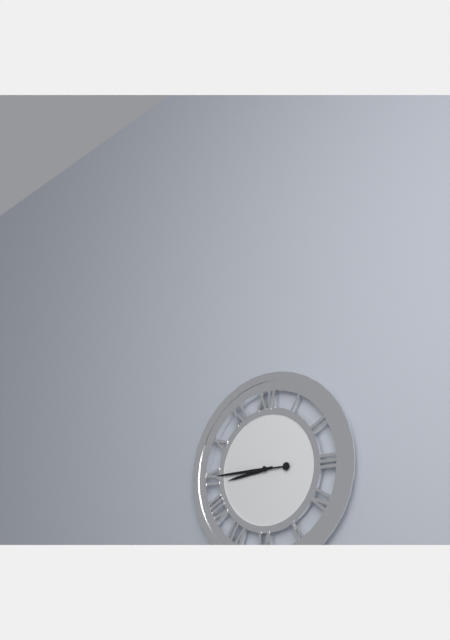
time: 8:45
